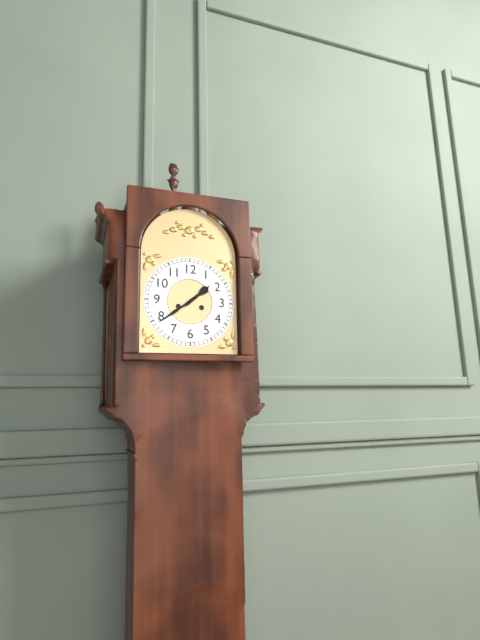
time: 1:39
